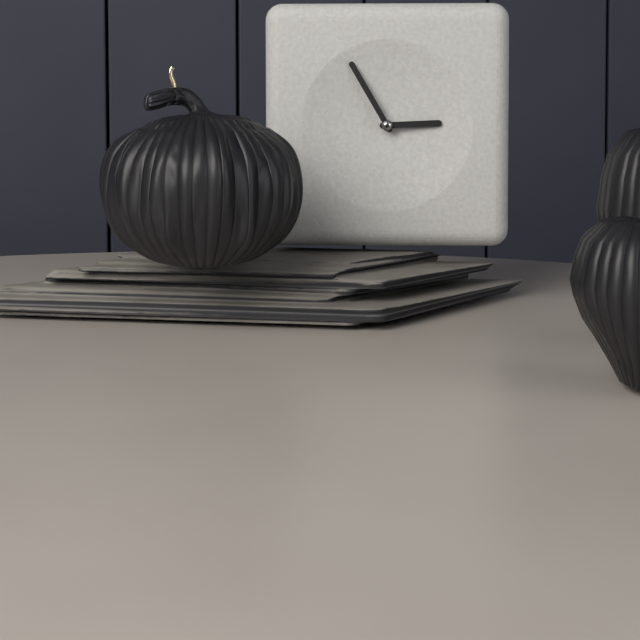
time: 2:55
